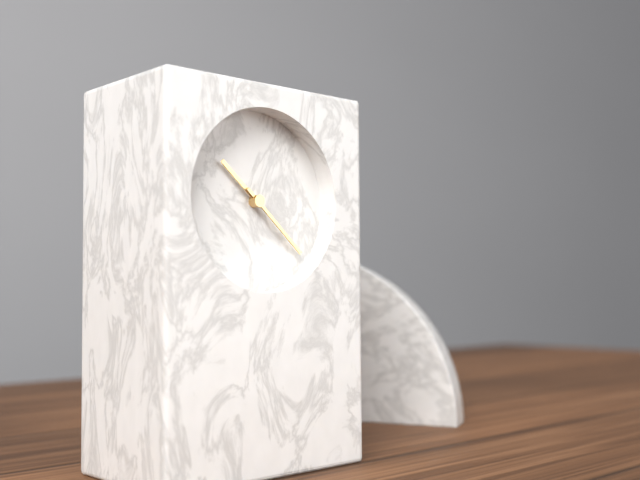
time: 10:22
